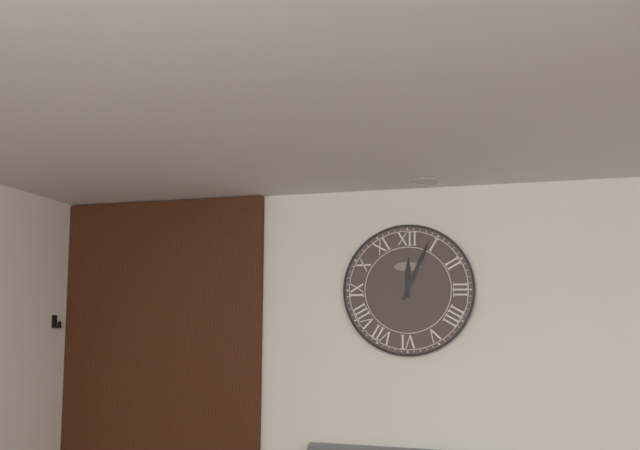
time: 12:04
